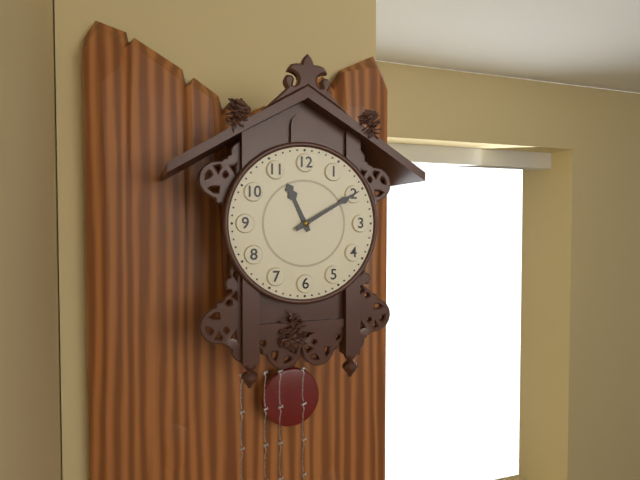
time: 11:10
